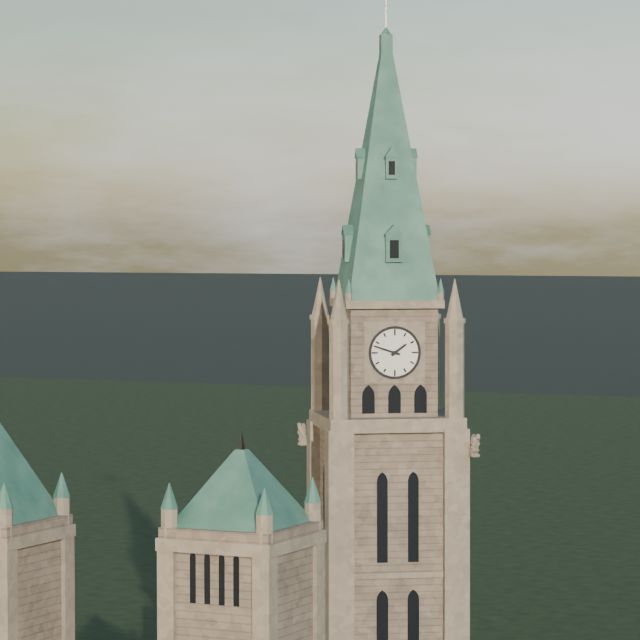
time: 1:48
